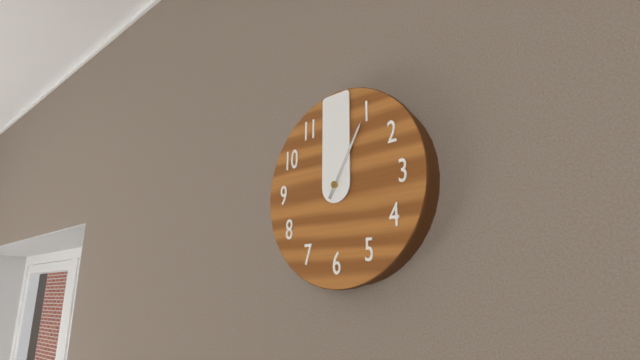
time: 1:00
